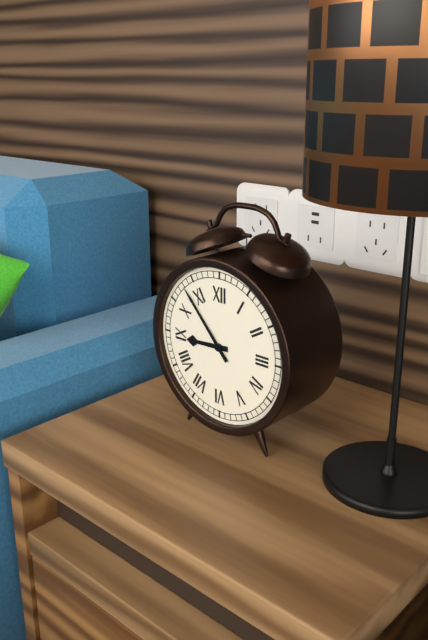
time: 8:53
